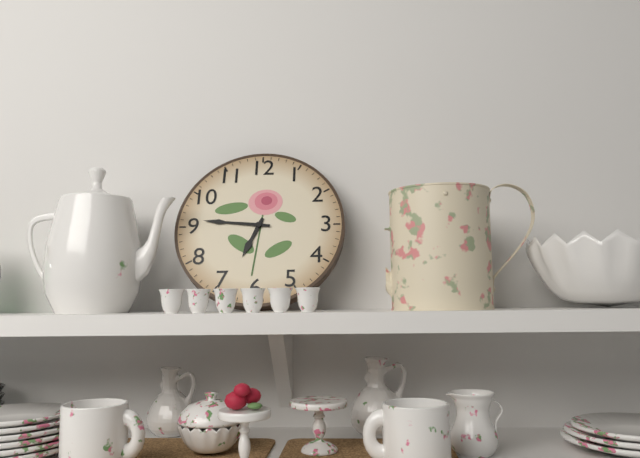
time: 6:46
